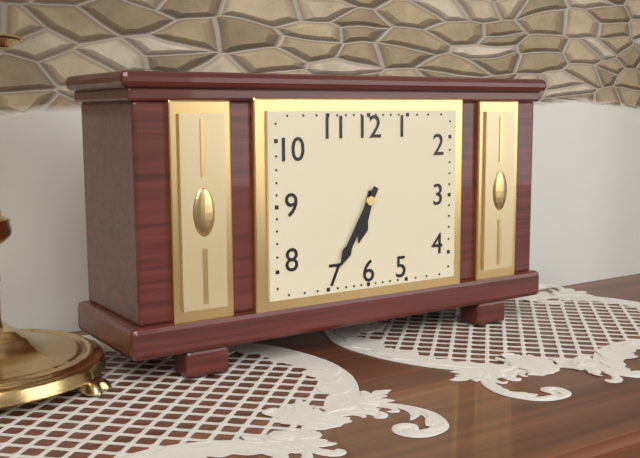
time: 6:35
